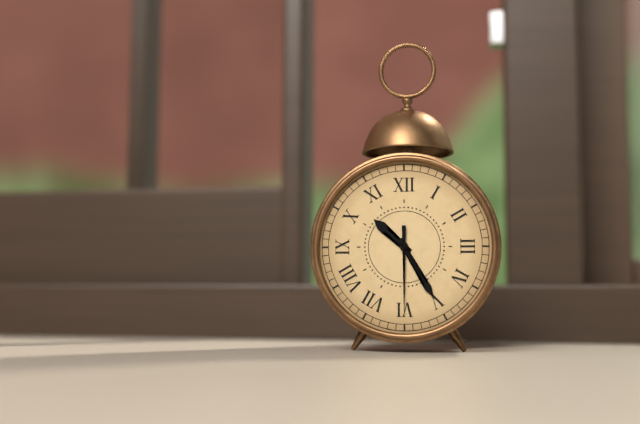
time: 10:25:30
